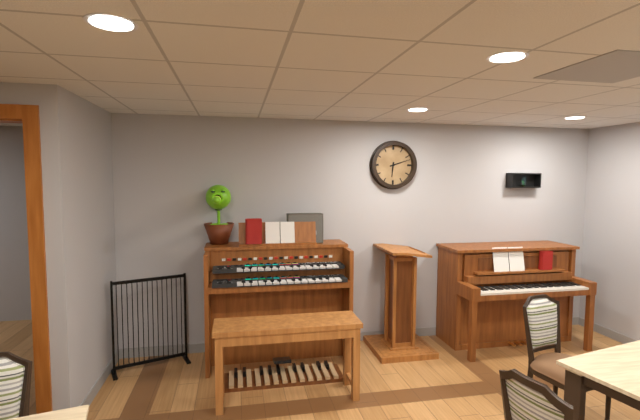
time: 6:12
